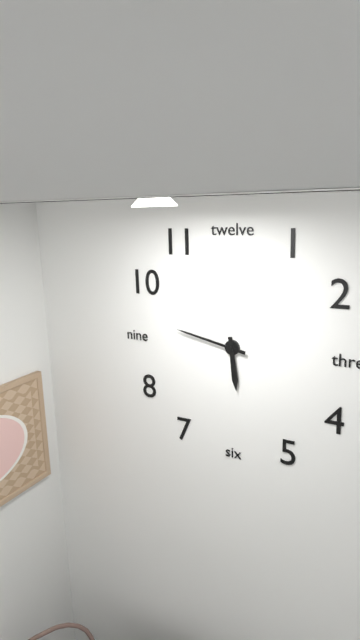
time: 5:47
